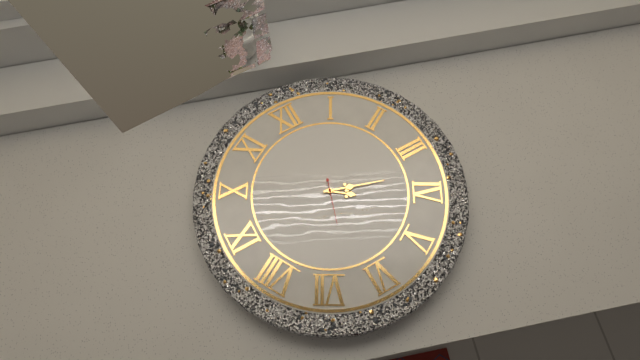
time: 4:18
